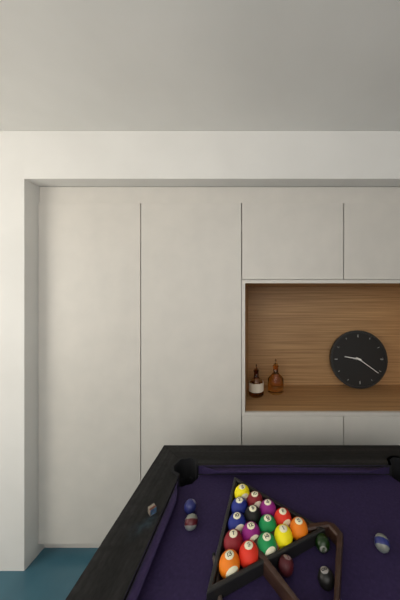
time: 9:21
